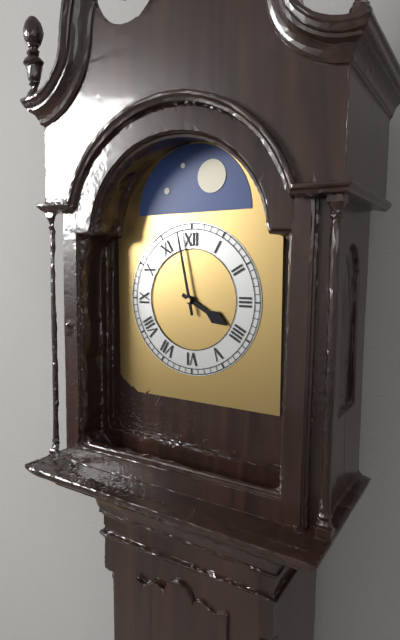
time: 3:58
